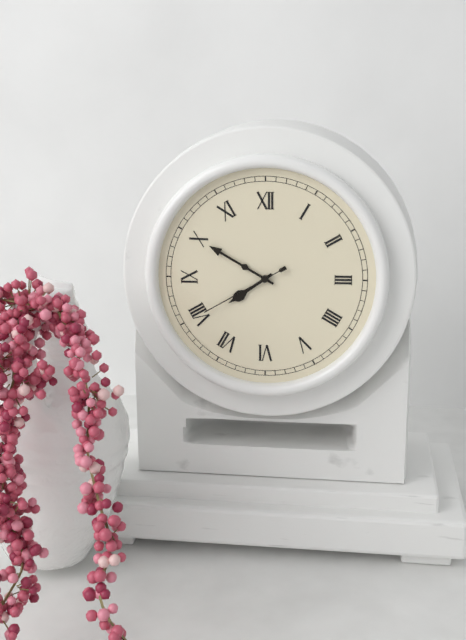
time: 7:50:40
